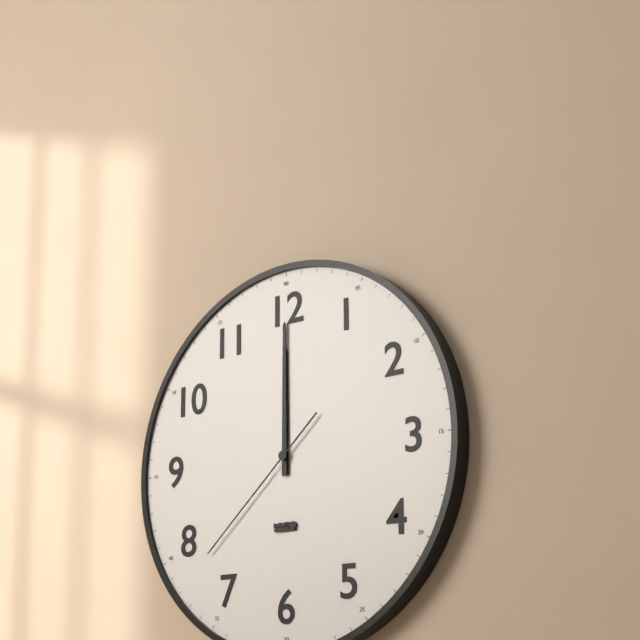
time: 12:00:38
